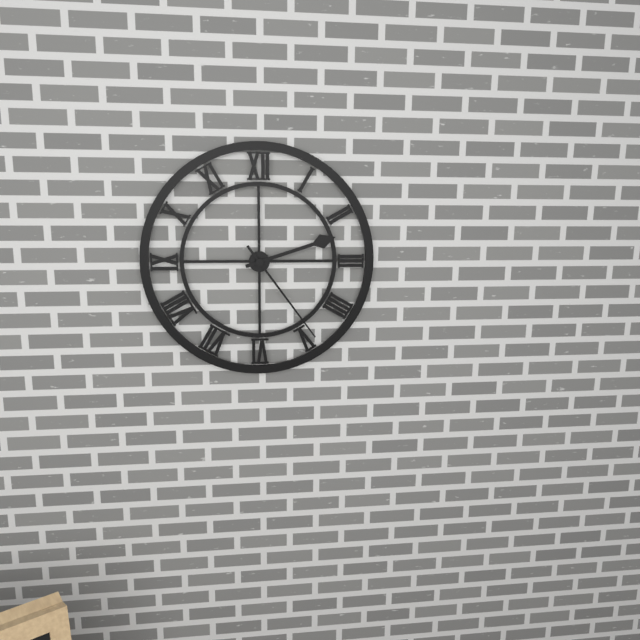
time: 2:24
